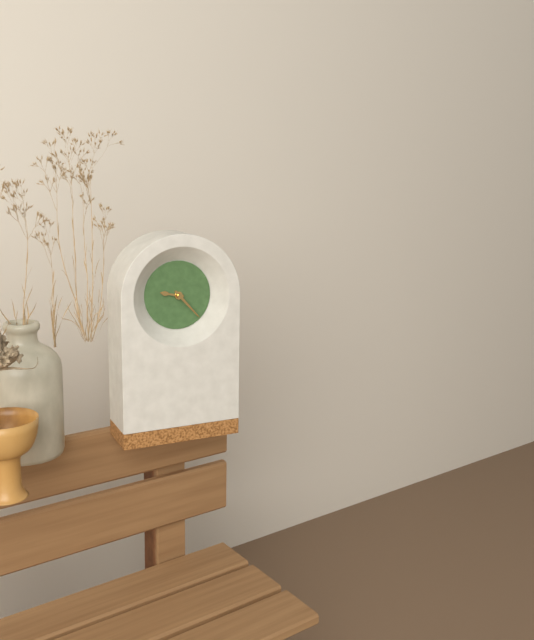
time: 9:23
